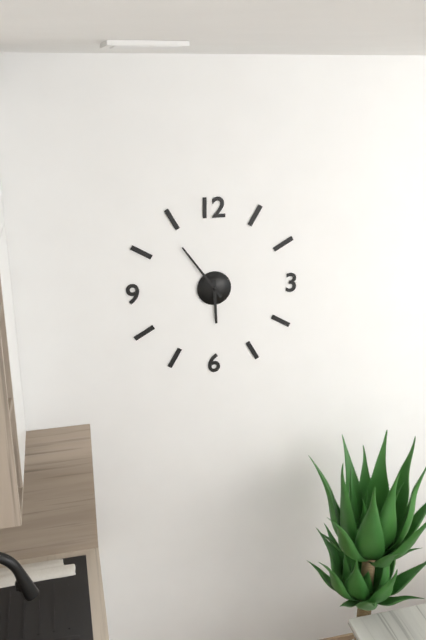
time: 5:54
